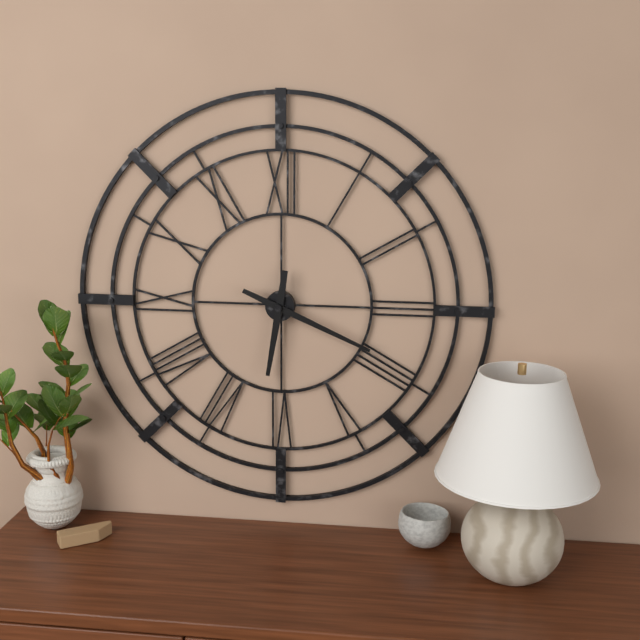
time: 6:19
